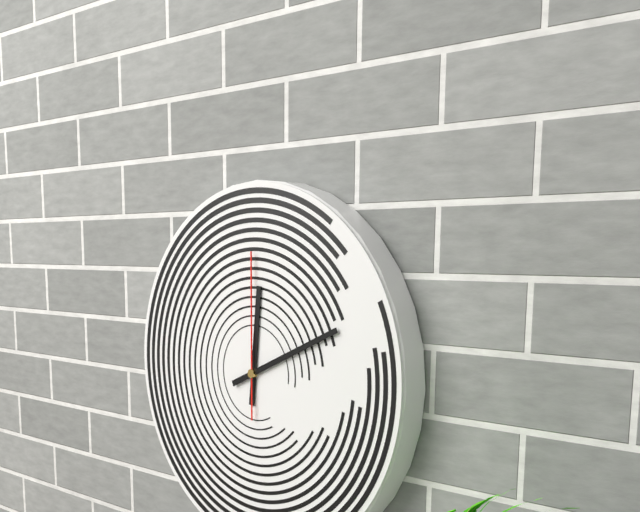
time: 12:11:00
